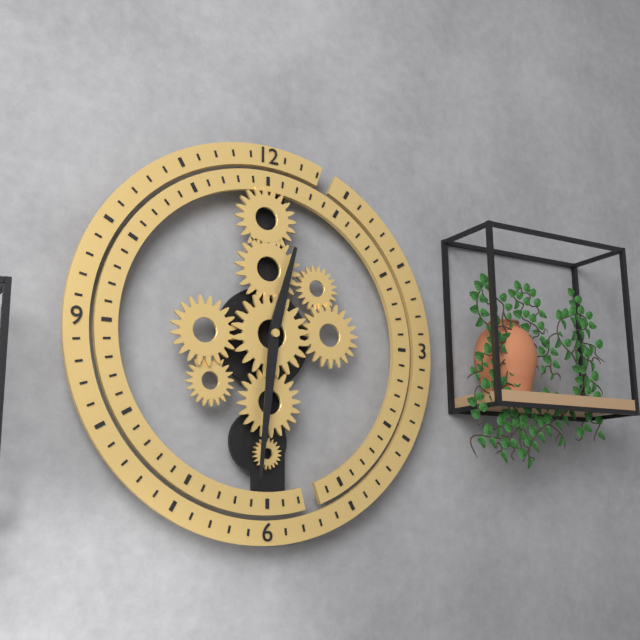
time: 12:31
